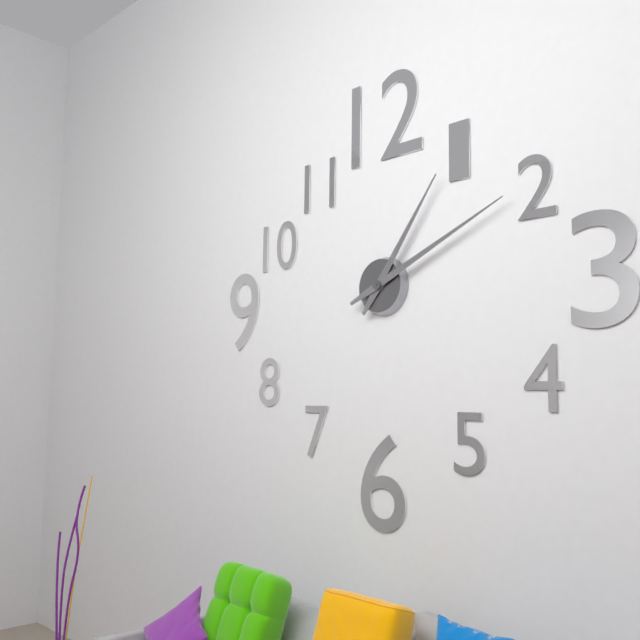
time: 1:11
